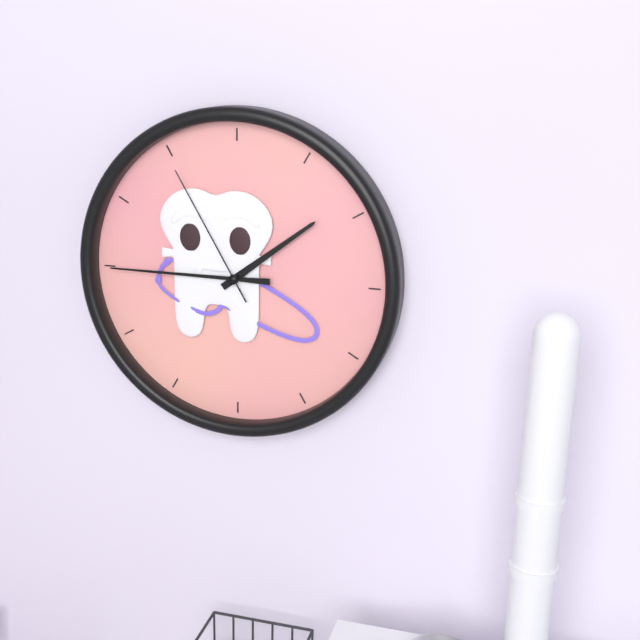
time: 1:45:55
